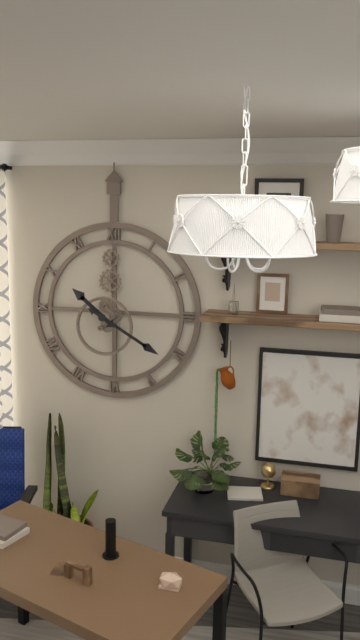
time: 10:20
